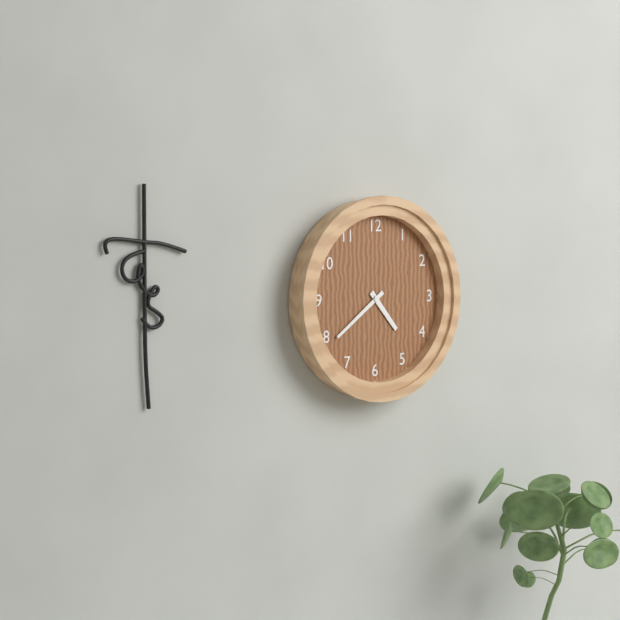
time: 4:39
